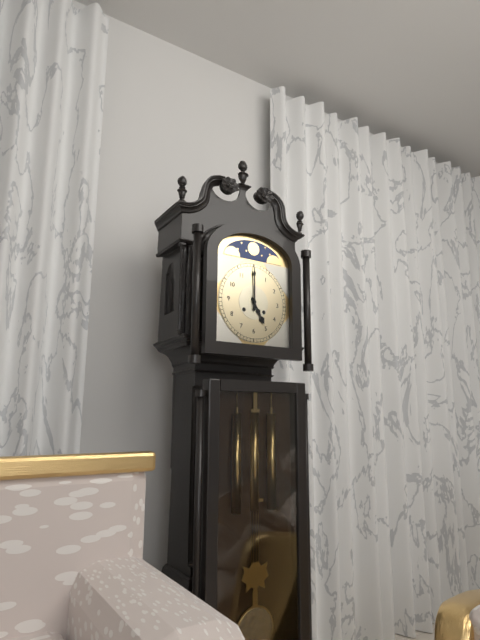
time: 5:00
